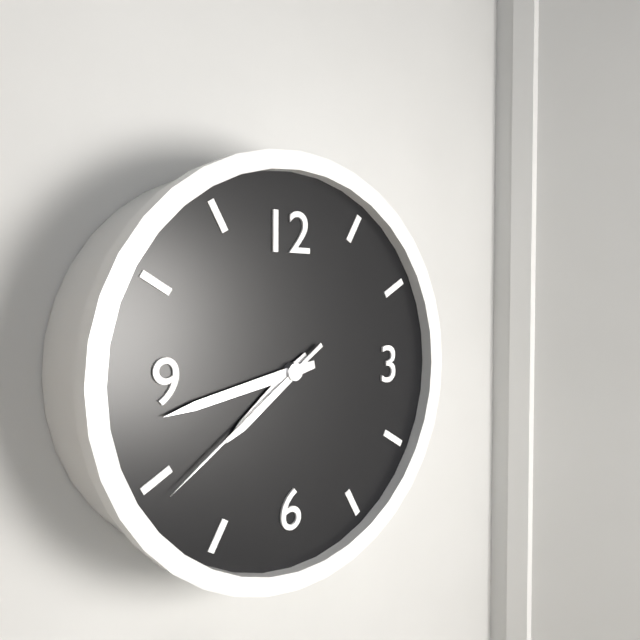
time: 7:43:39
